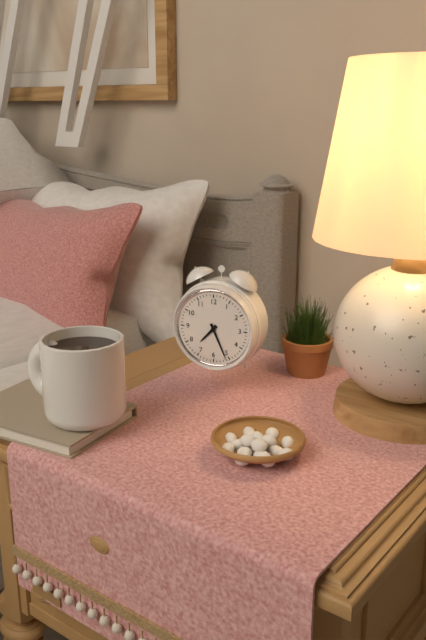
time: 7:26
